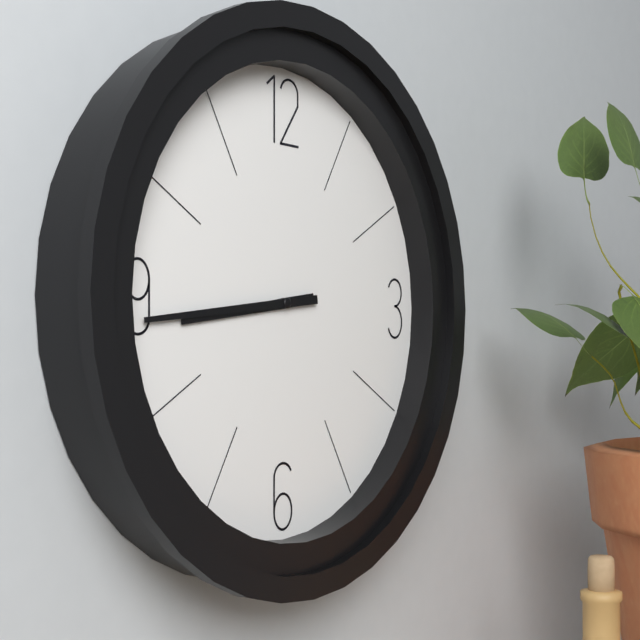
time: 8:44
